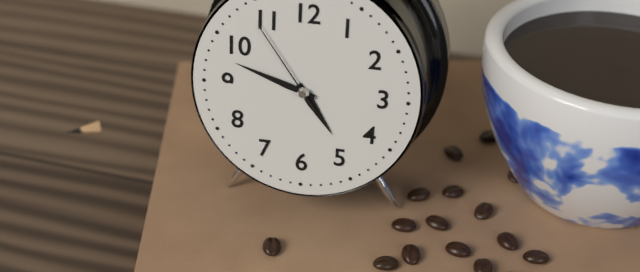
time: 4:48:54
